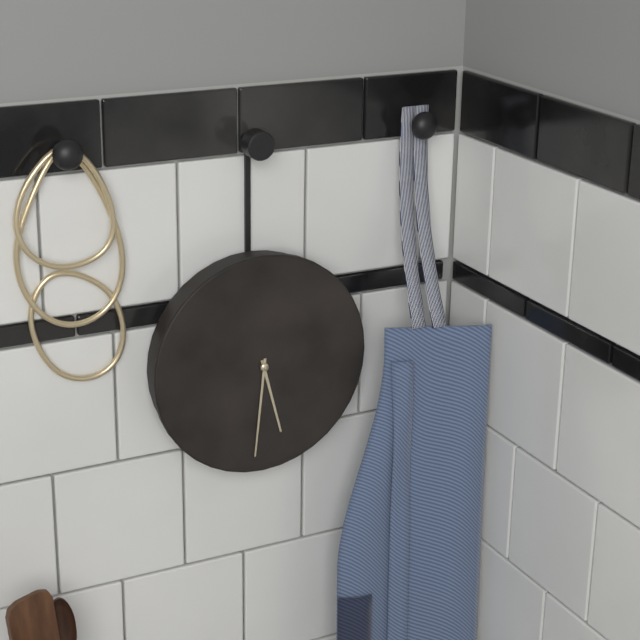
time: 5:31
